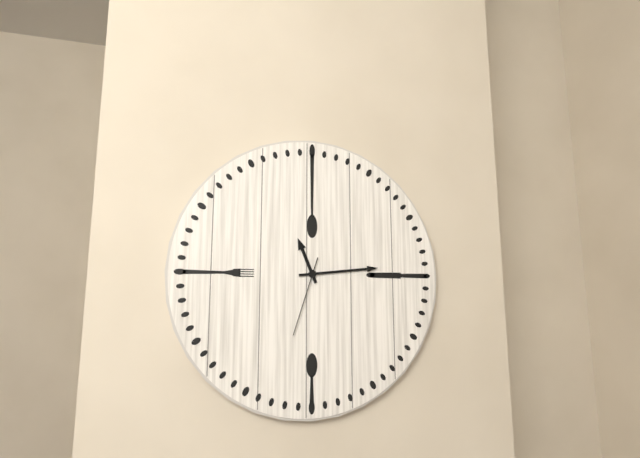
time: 11:14:33
